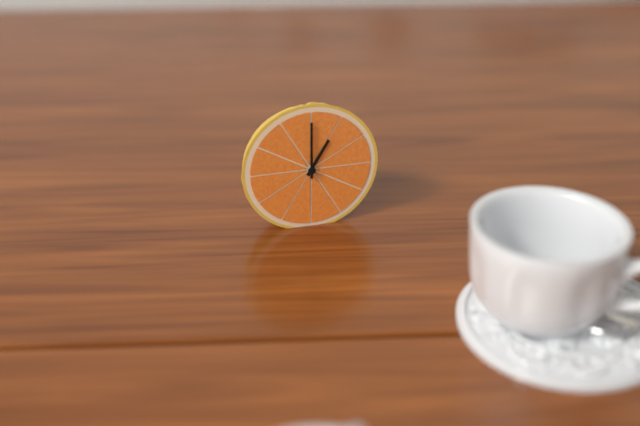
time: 1:00
